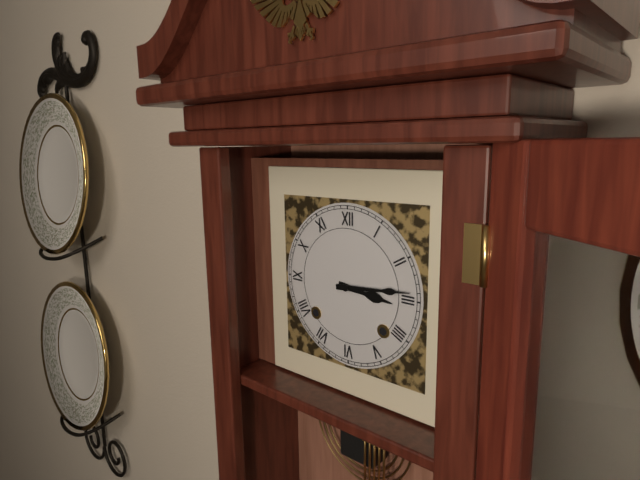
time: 3:14
